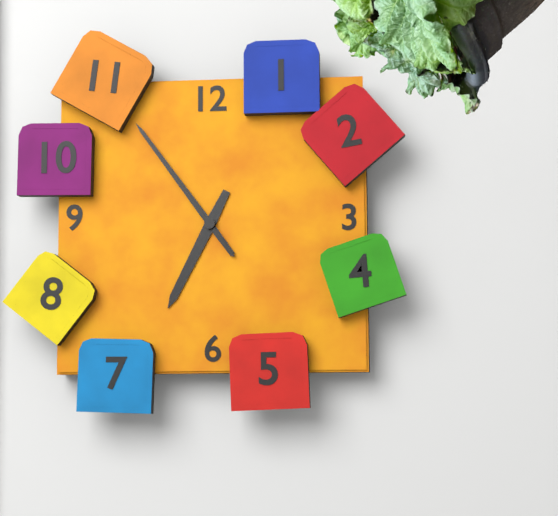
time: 6:54:54
